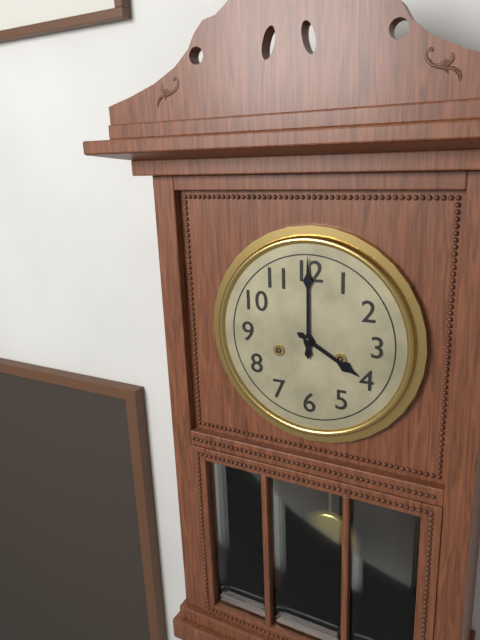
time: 4:00
